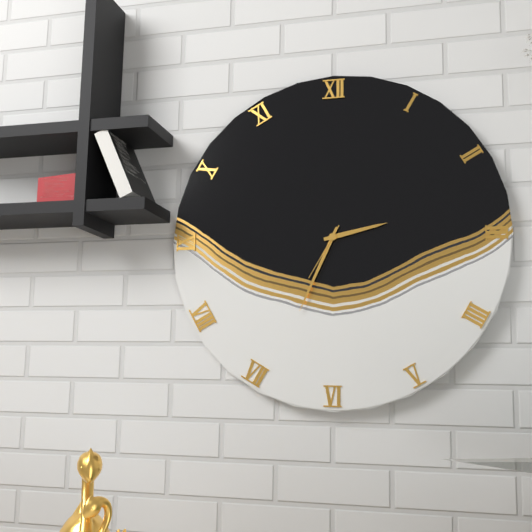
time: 2:34:35
